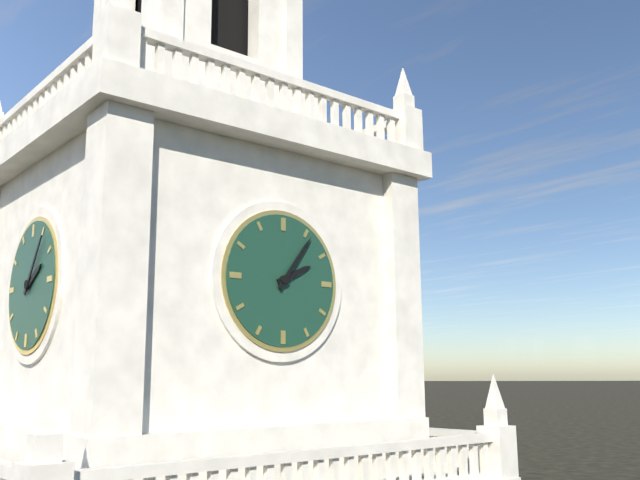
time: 2:06
